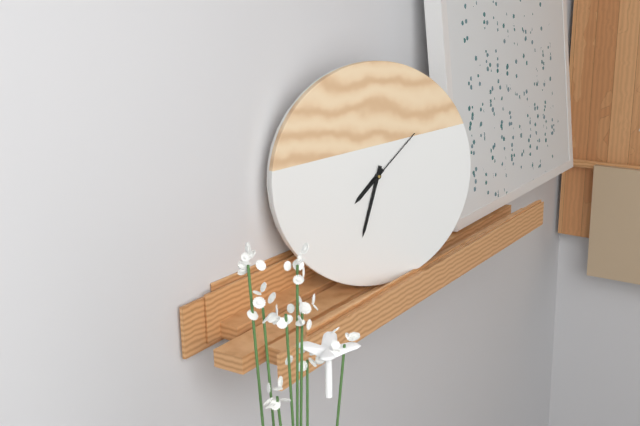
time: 7:33:08
